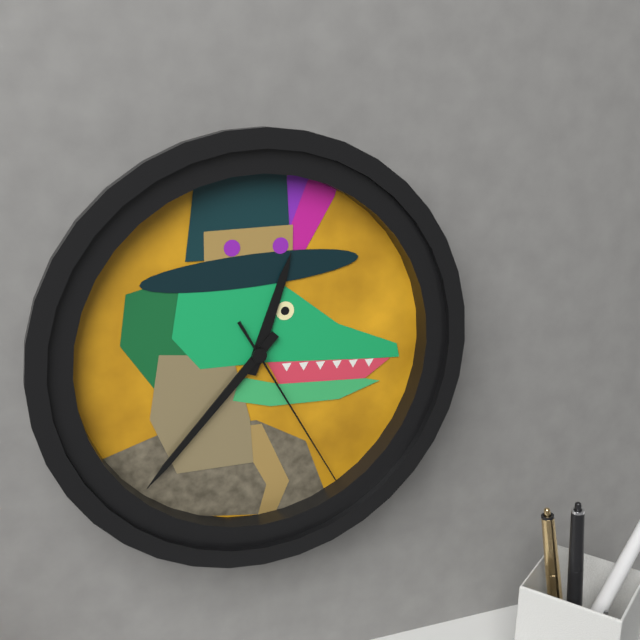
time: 12:37:25
